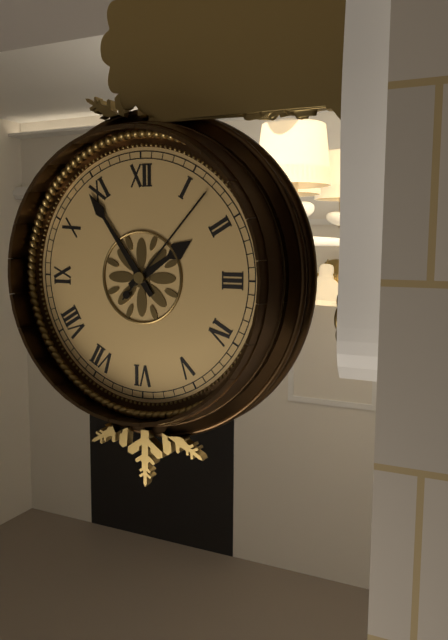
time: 1:54:07
